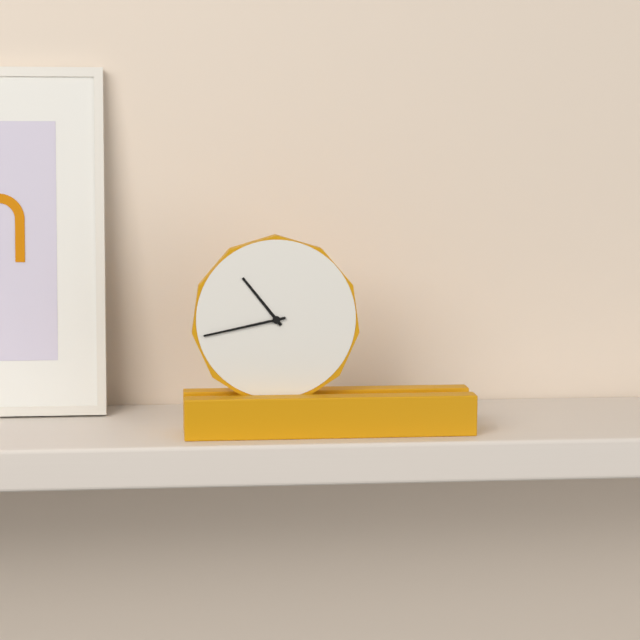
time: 10:43
